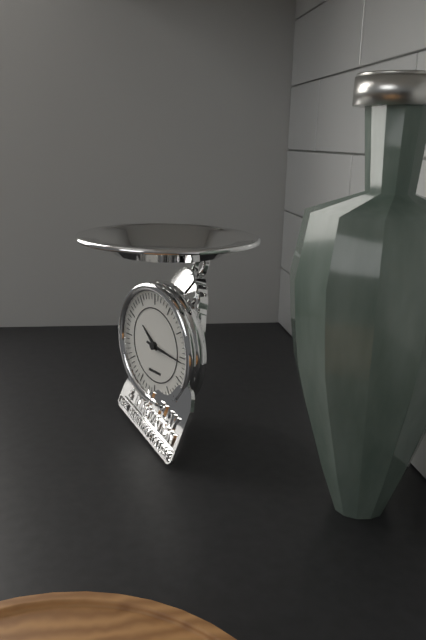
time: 10:16
